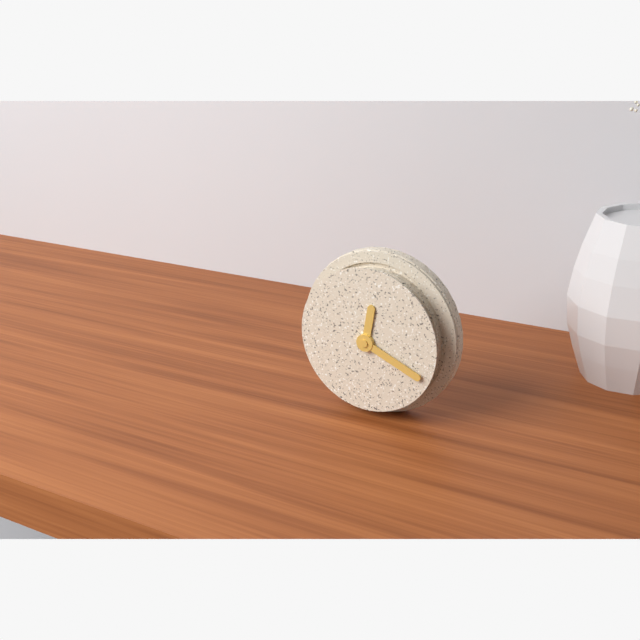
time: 12:19
